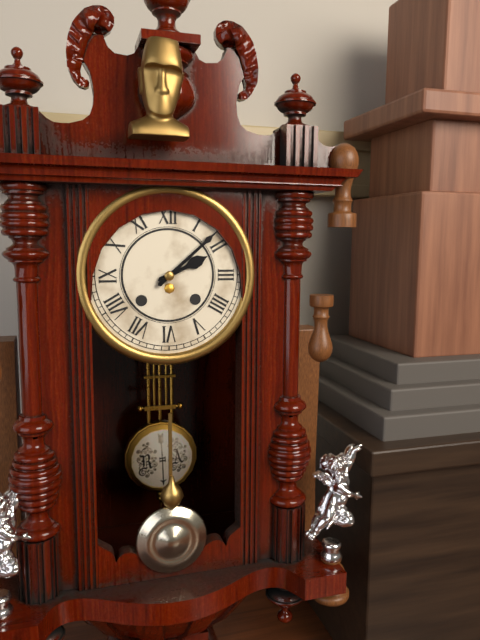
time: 2:08
